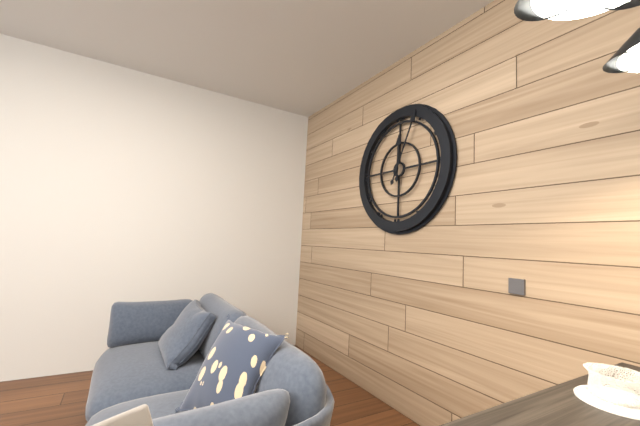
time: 12:04
